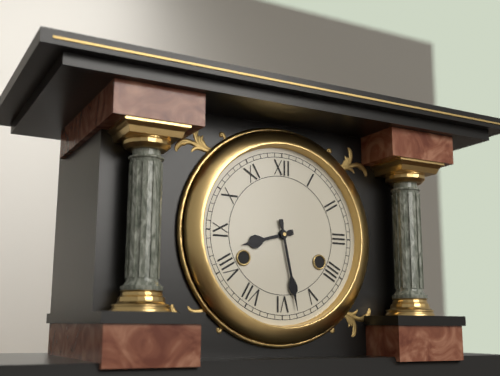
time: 8:28
